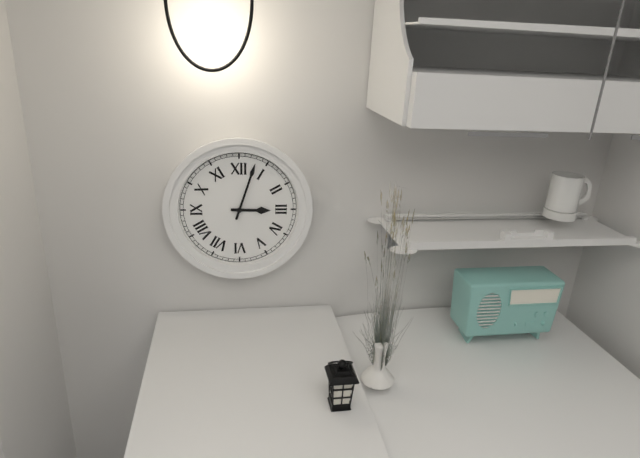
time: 3:03
